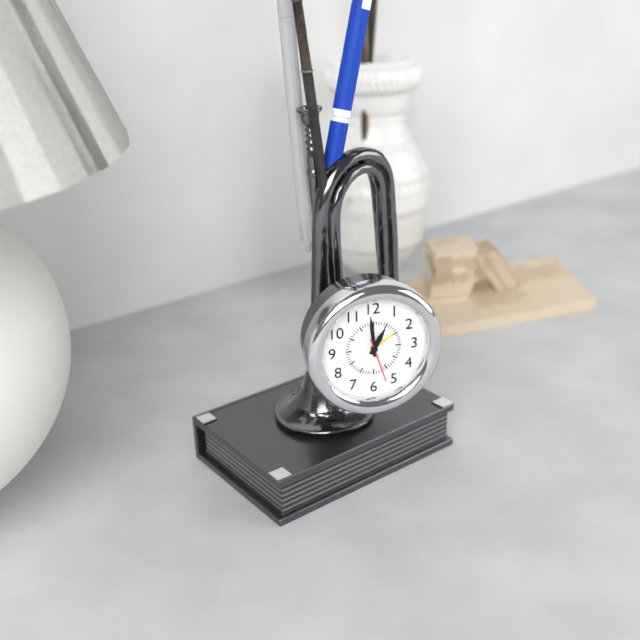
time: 12:59
